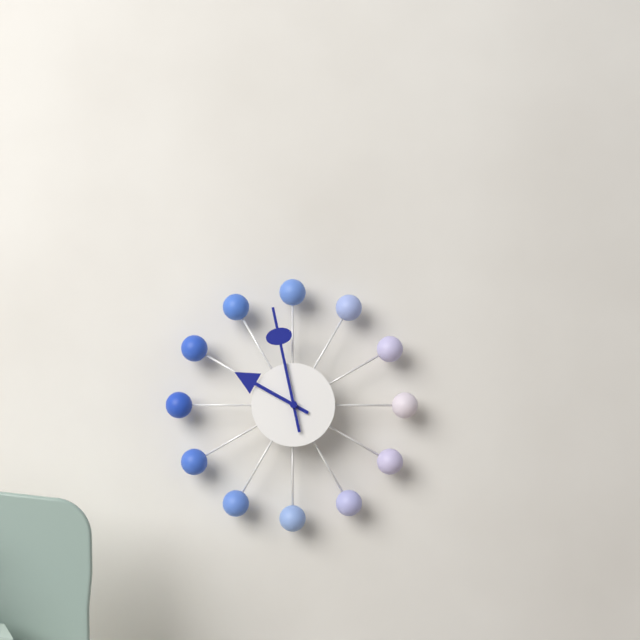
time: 9:58
